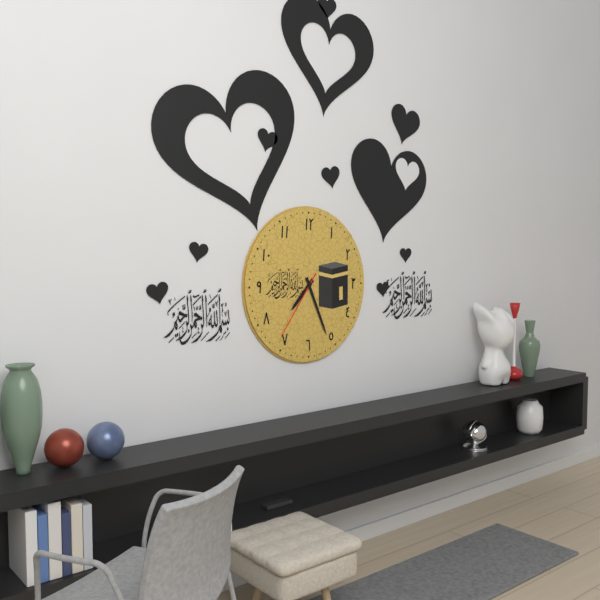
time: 7:26:36
